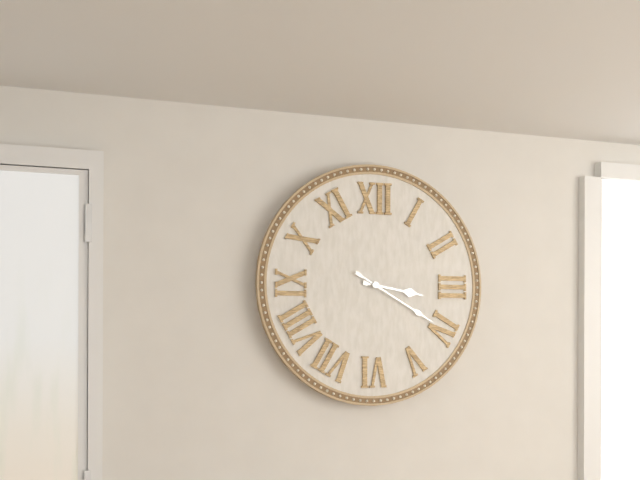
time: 3:20
